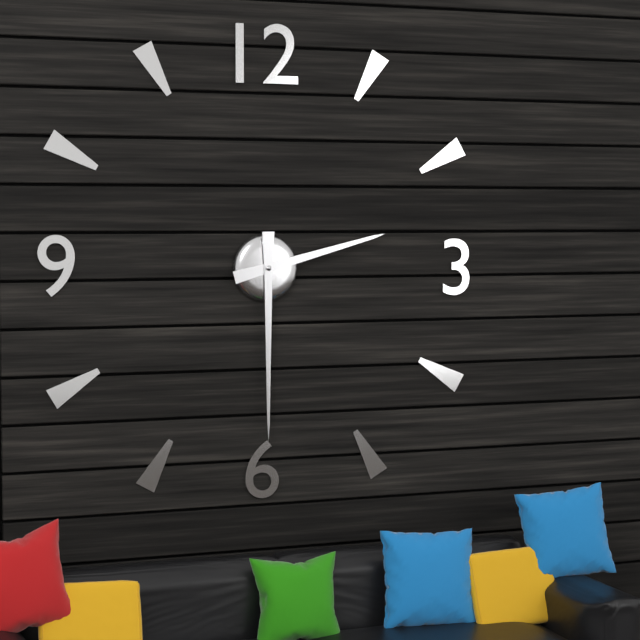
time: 2:30
